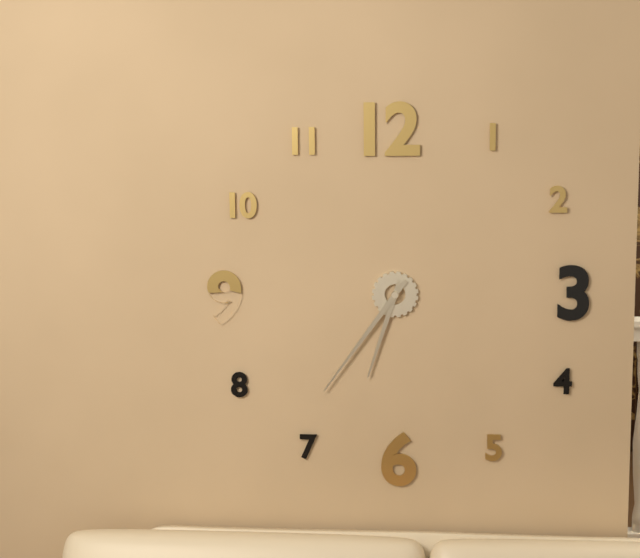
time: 6:36
